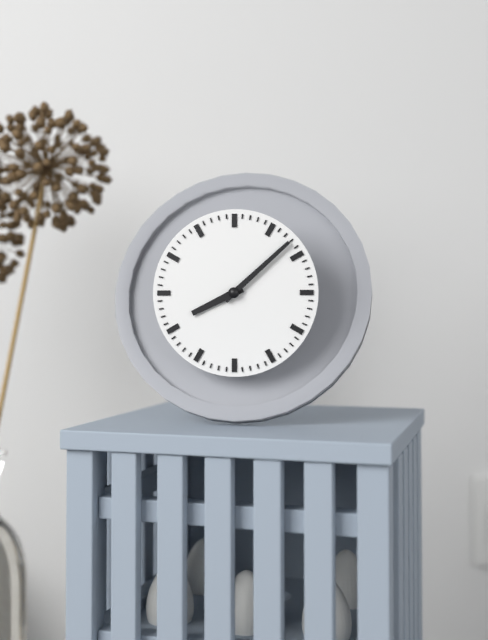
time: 8:08
